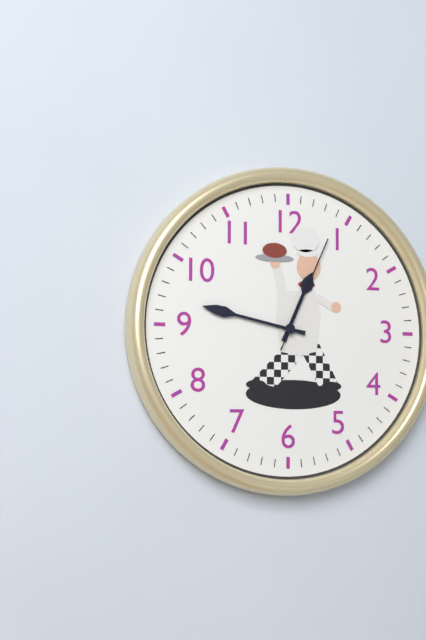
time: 12:47:04
